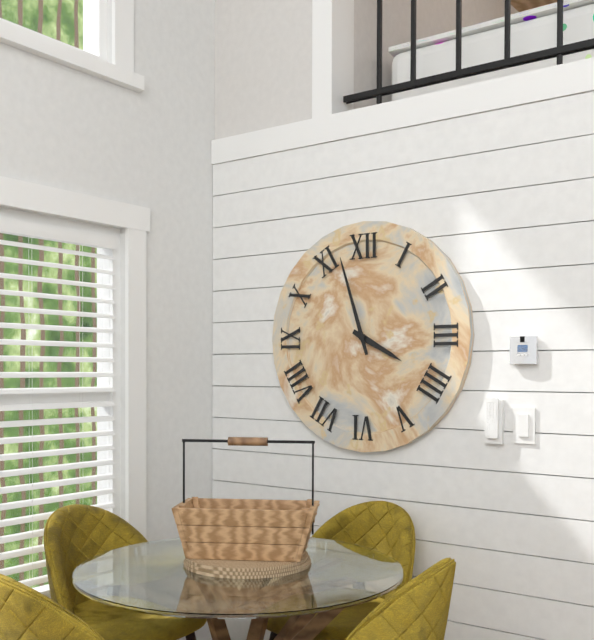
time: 3:57
